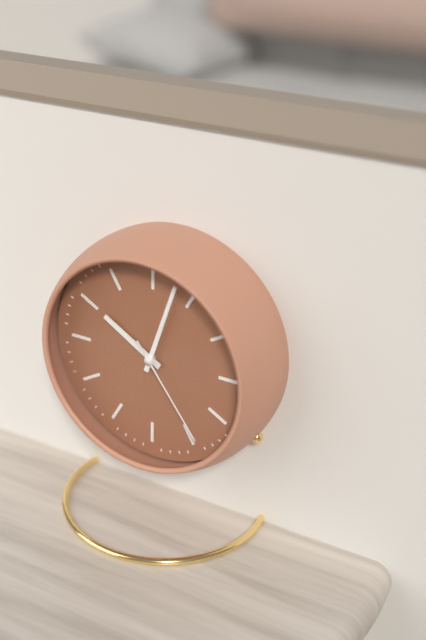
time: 10:03:24
